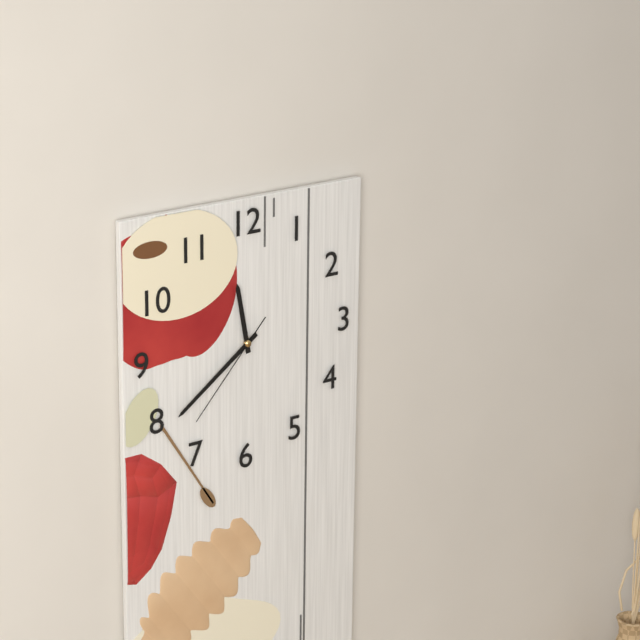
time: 11:39:37
